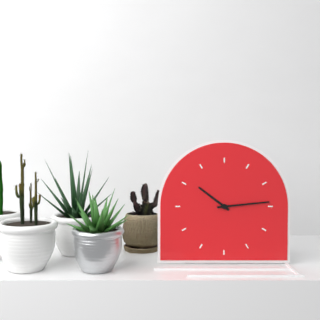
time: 10:14
